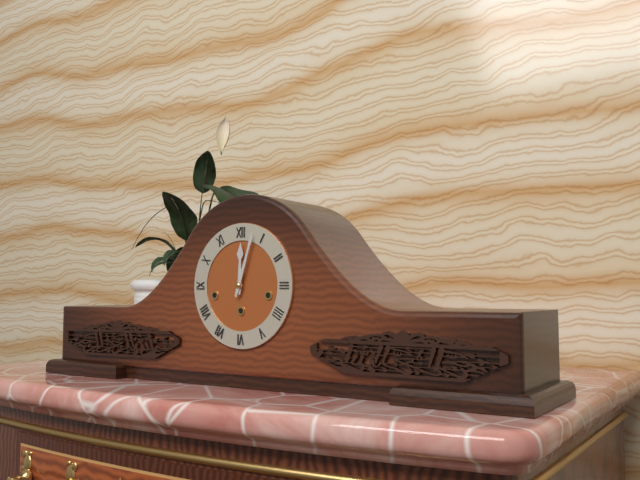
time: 12:03
